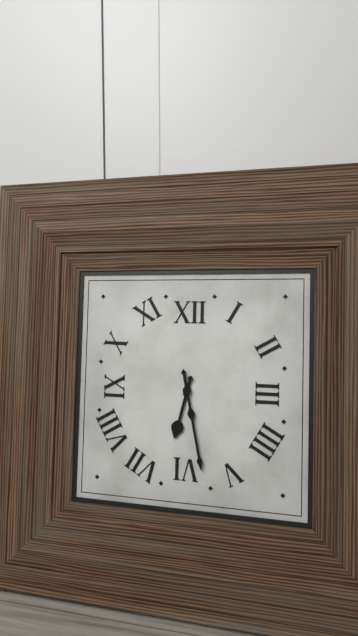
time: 6:28
